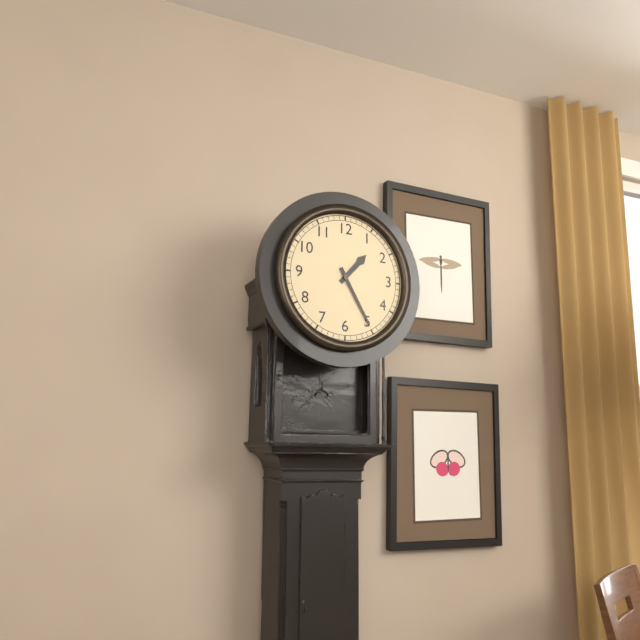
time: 1:25
